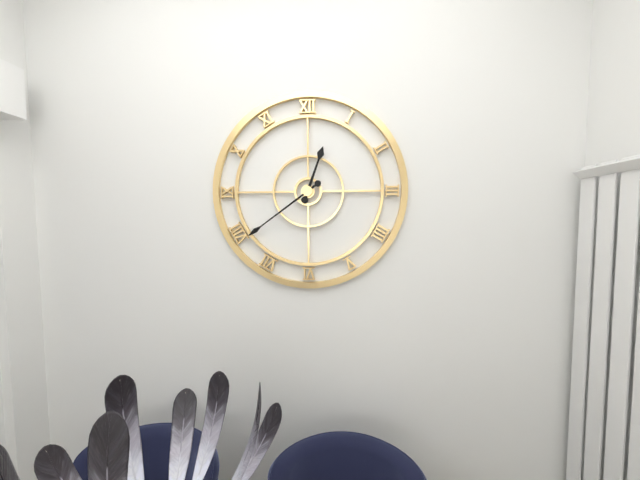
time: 12:39
